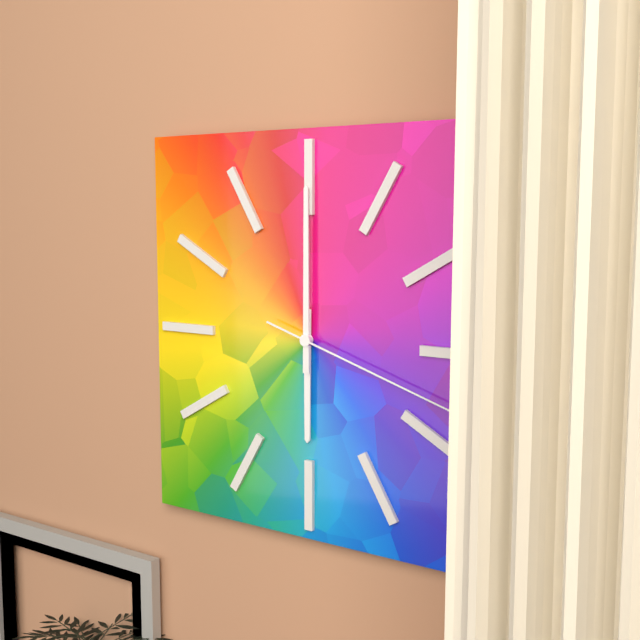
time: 6:00:18
